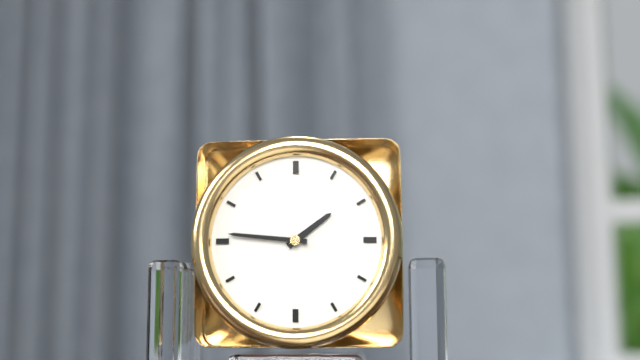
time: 1:46
